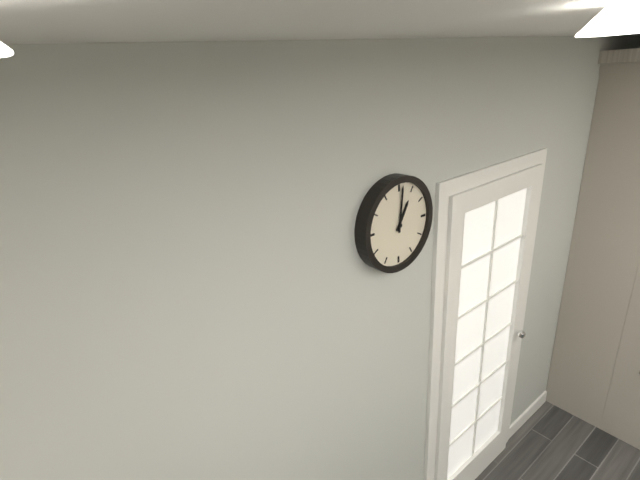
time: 1:01
